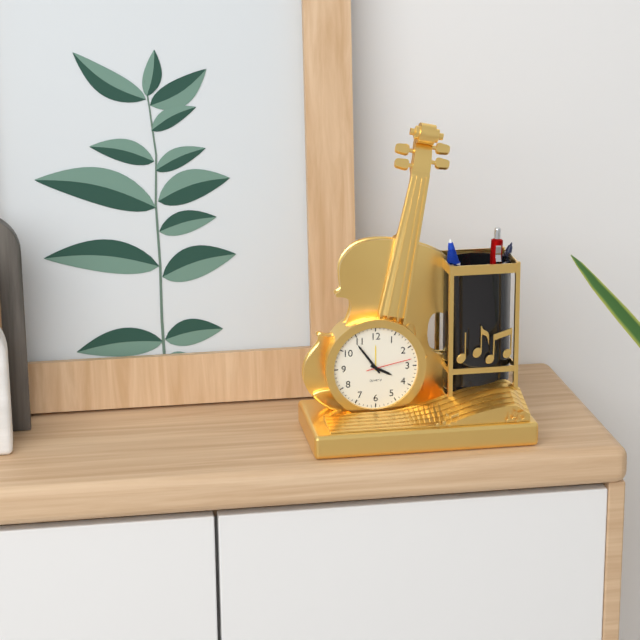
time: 3:54
